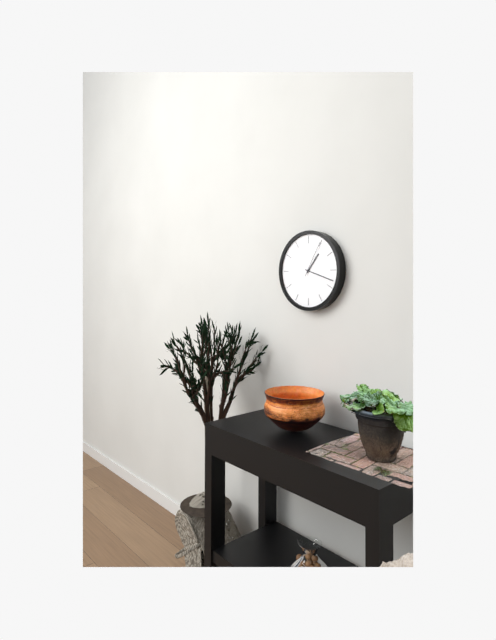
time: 1:18
